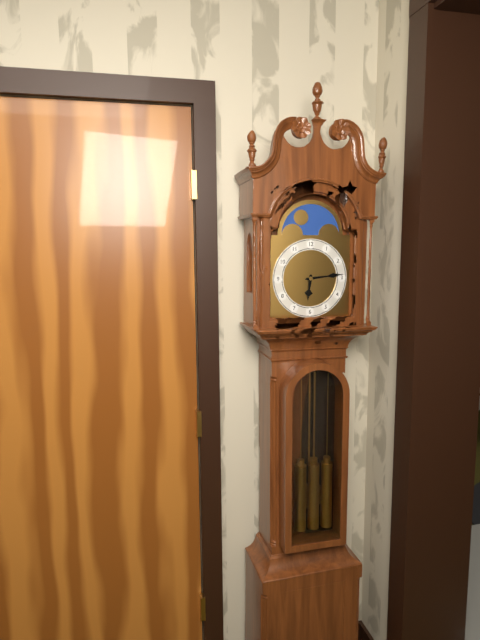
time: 6:14
